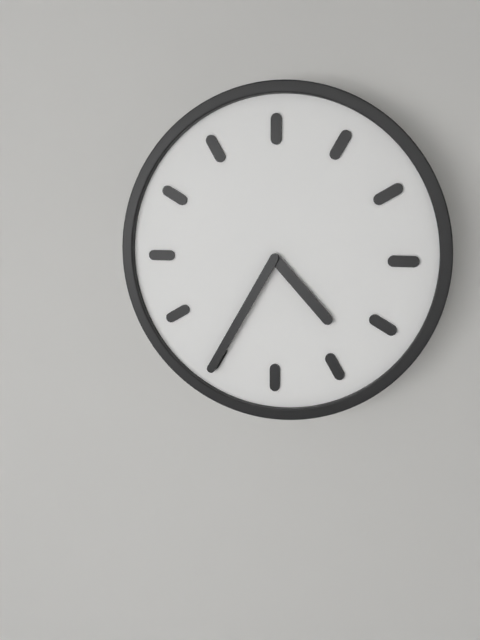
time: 4:35
